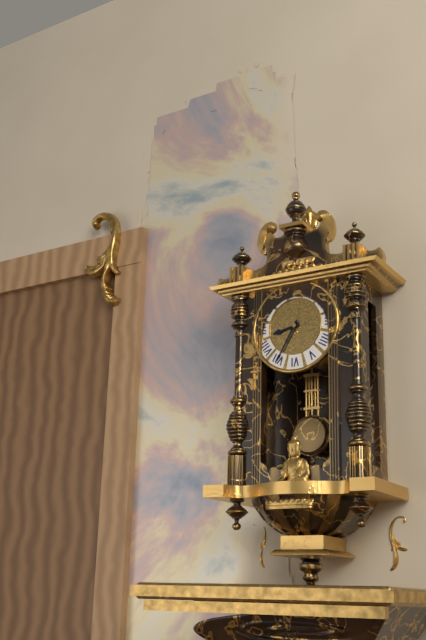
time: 8:35
